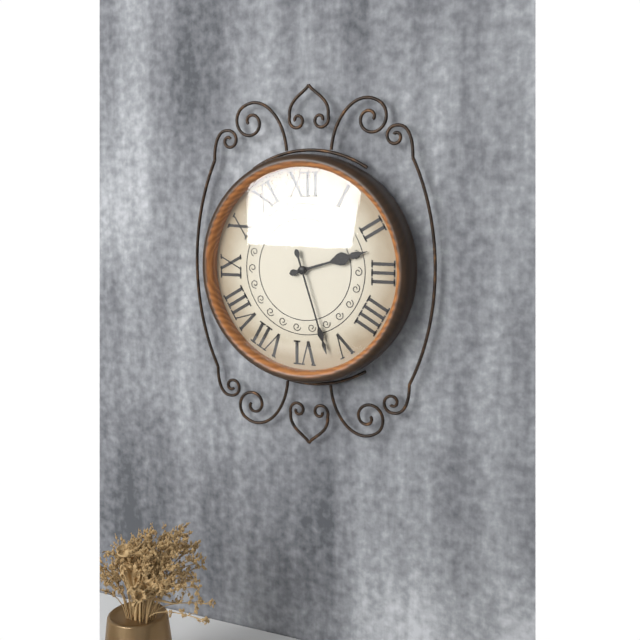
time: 2:27
